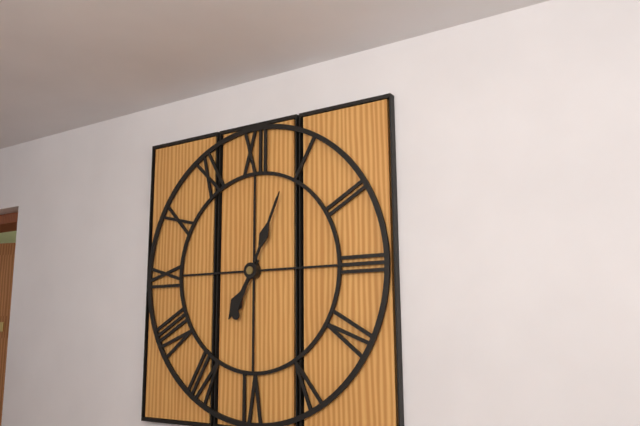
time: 7:04
